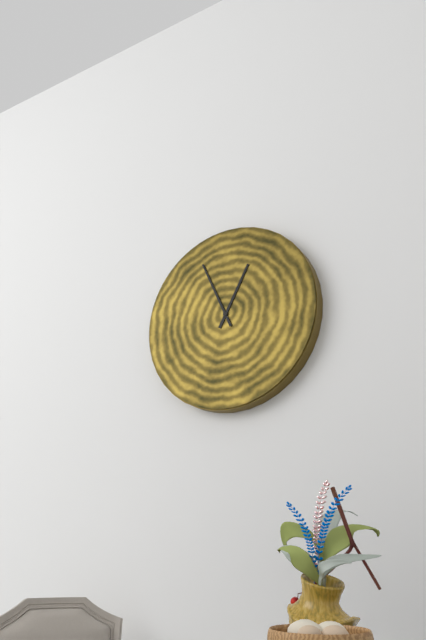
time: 12:56
